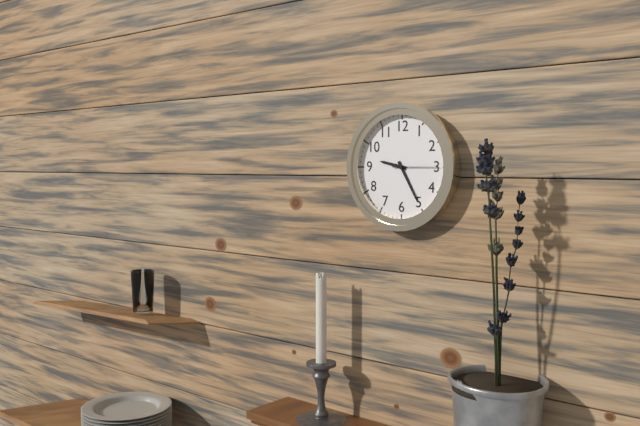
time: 9:25
